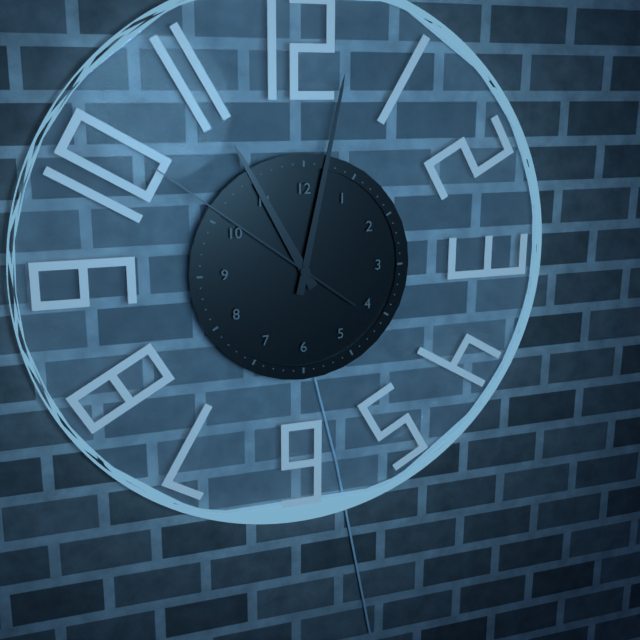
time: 11:02:51
